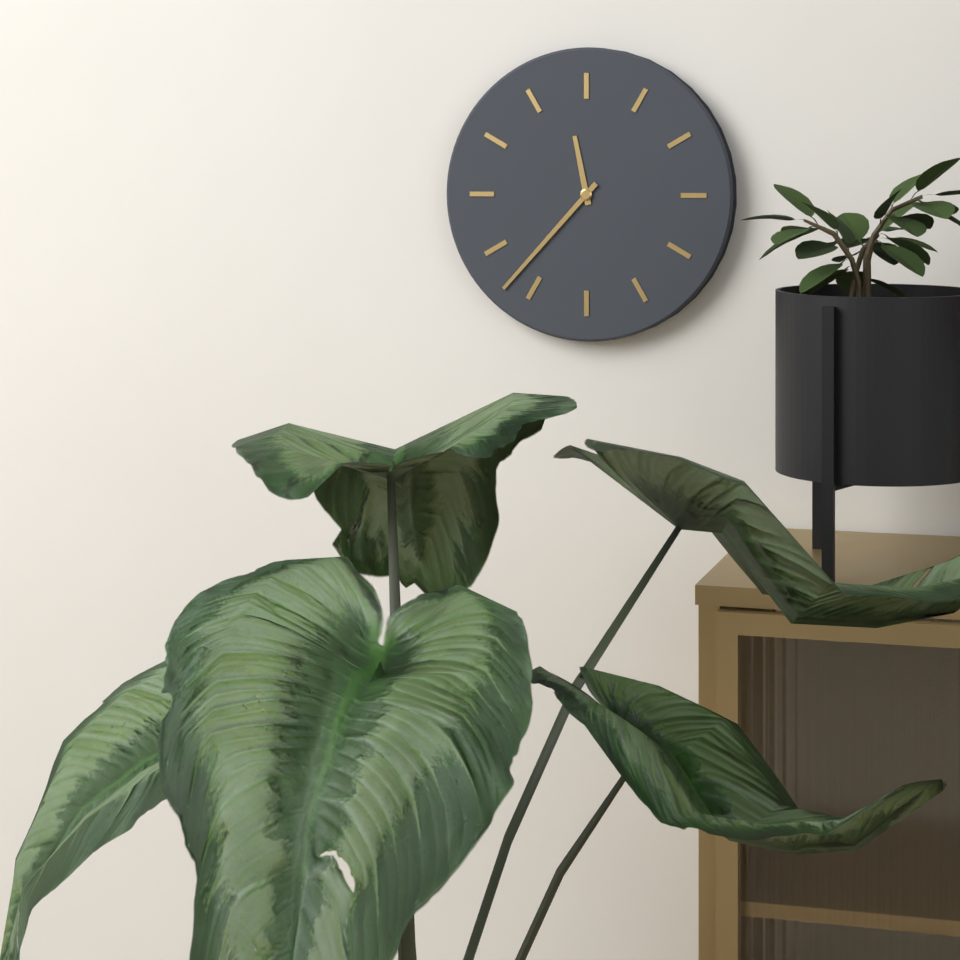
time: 11:37
